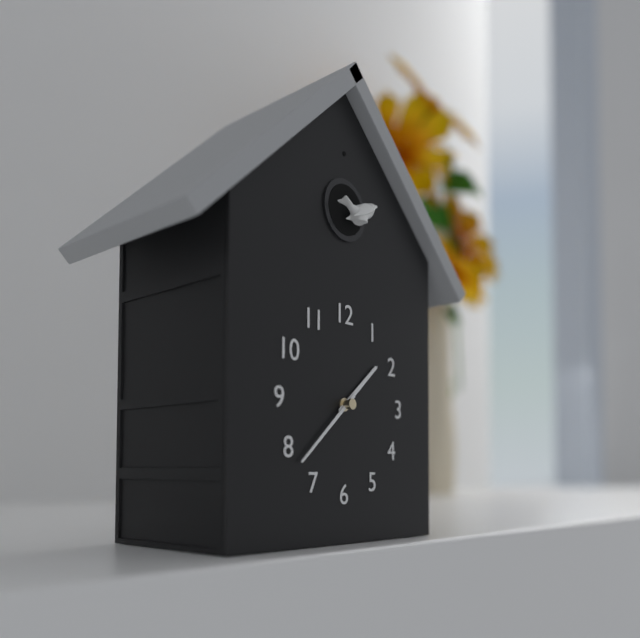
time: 1:38
